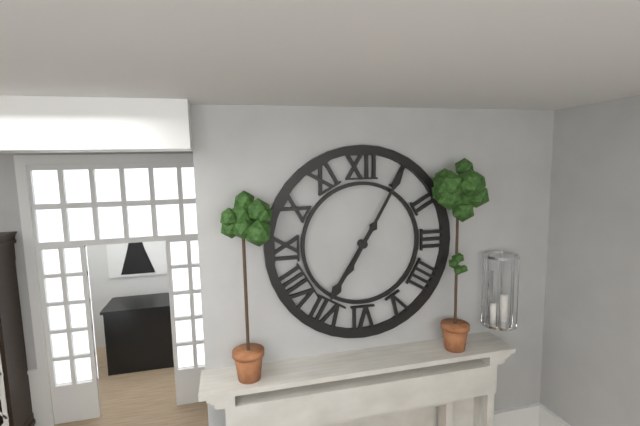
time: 7:05
